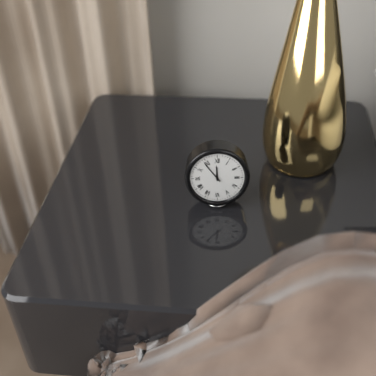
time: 11:54
